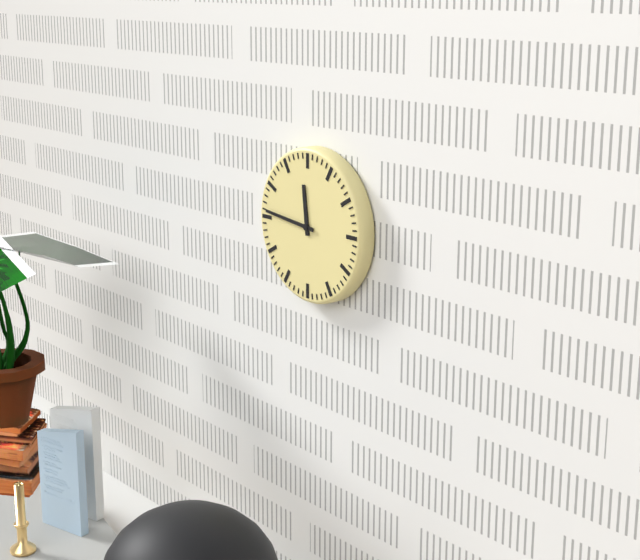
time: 11:46
